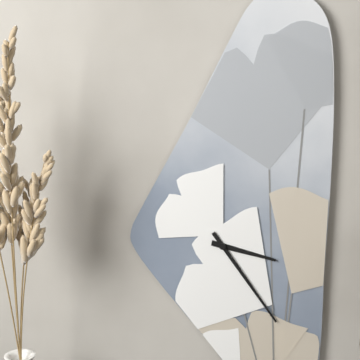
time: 3:24
